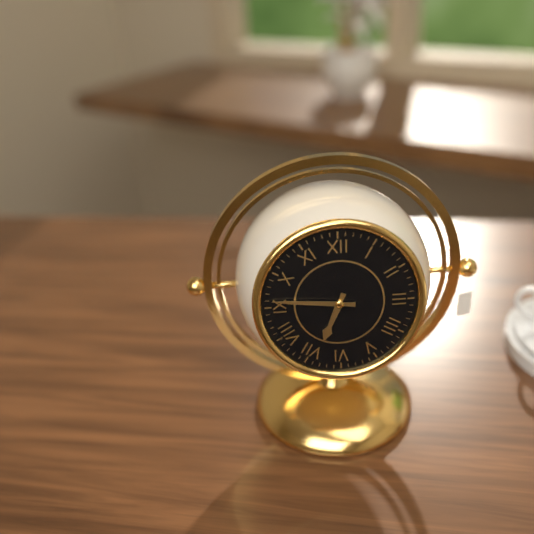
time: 6:46
